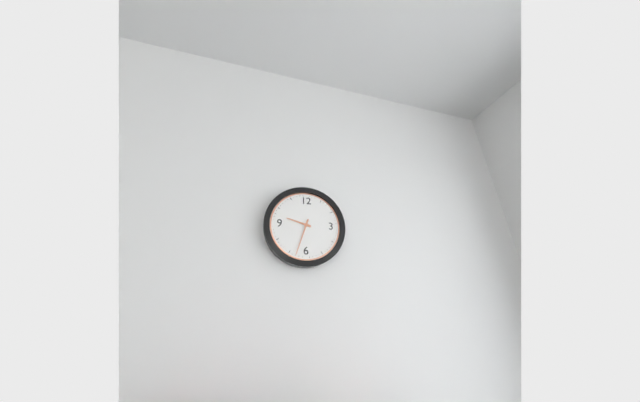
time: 9:33
